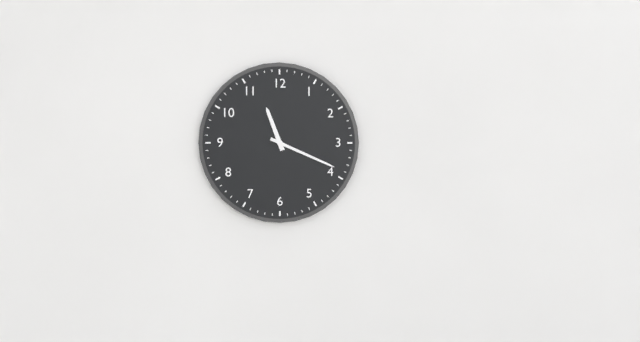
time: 11:19
